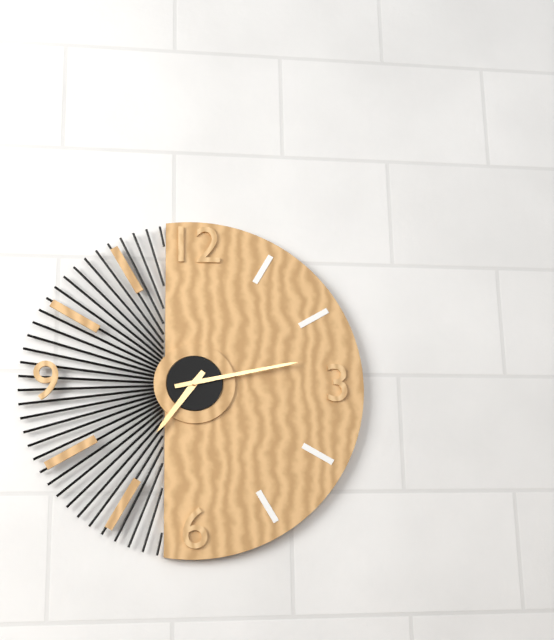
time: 7:13
